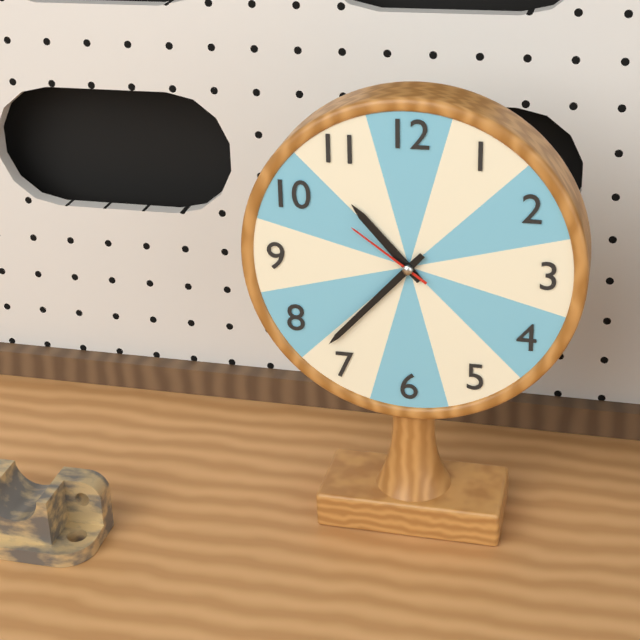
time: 10:37:51
